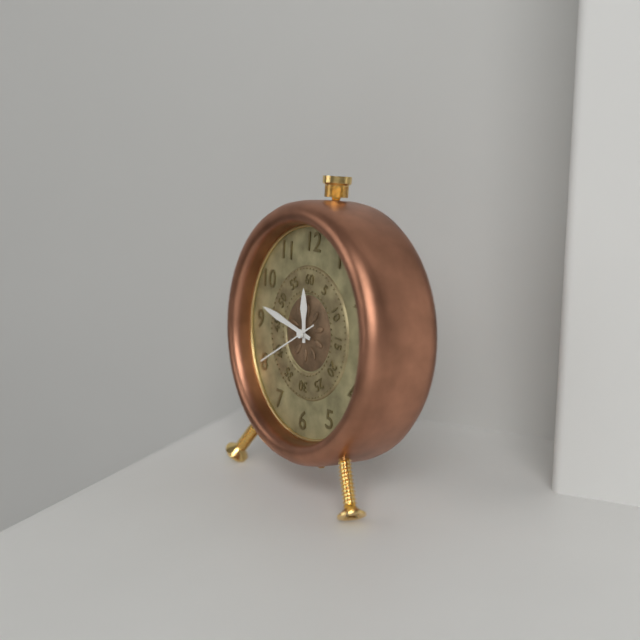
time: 11:47:40
